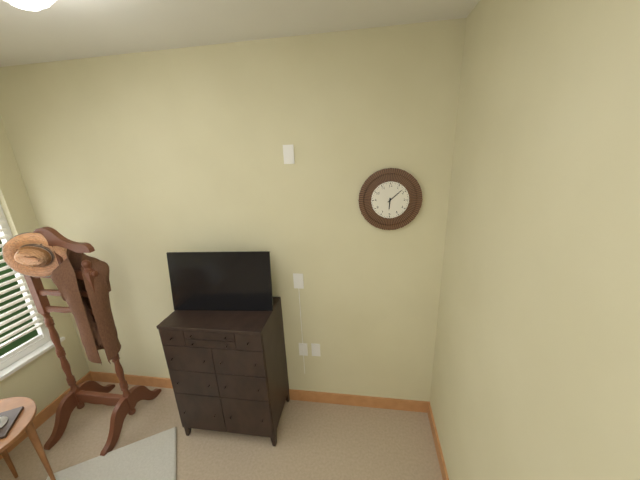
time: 6:08
